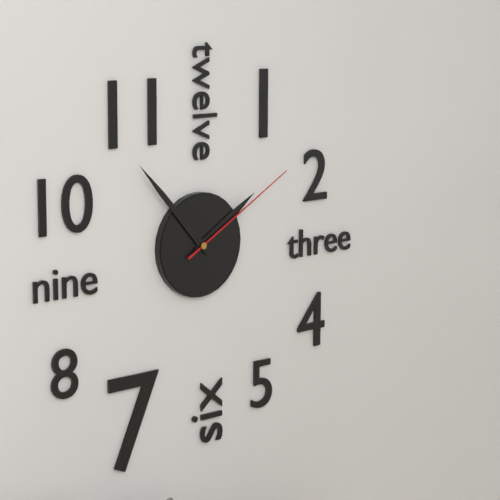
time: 1:53:10
